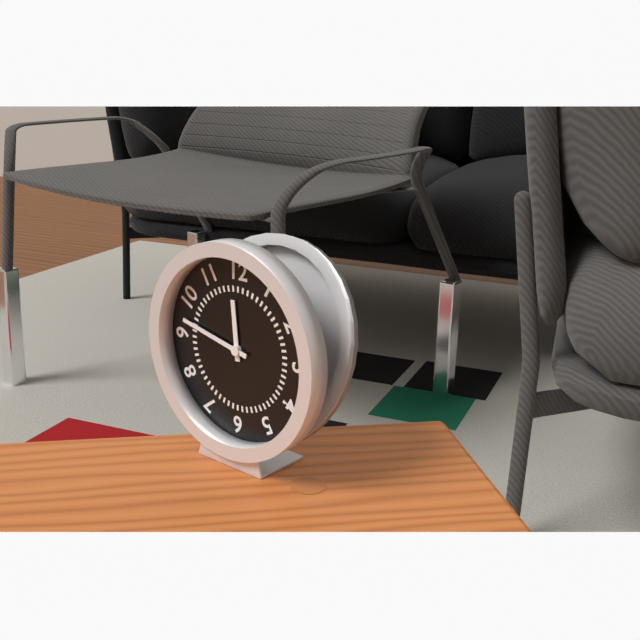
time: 11:47
